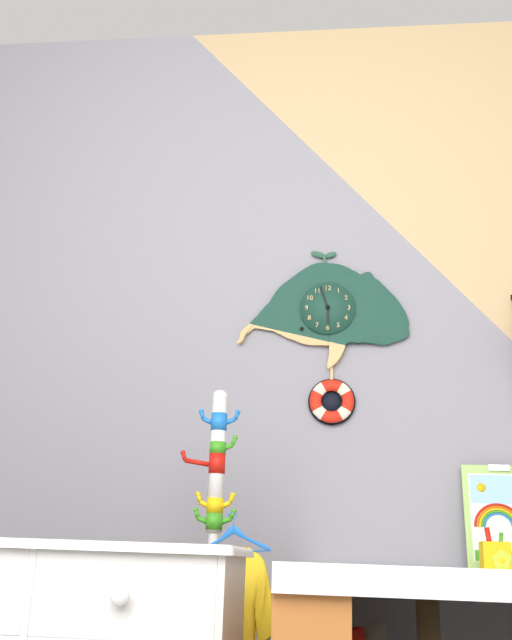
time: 5:57
